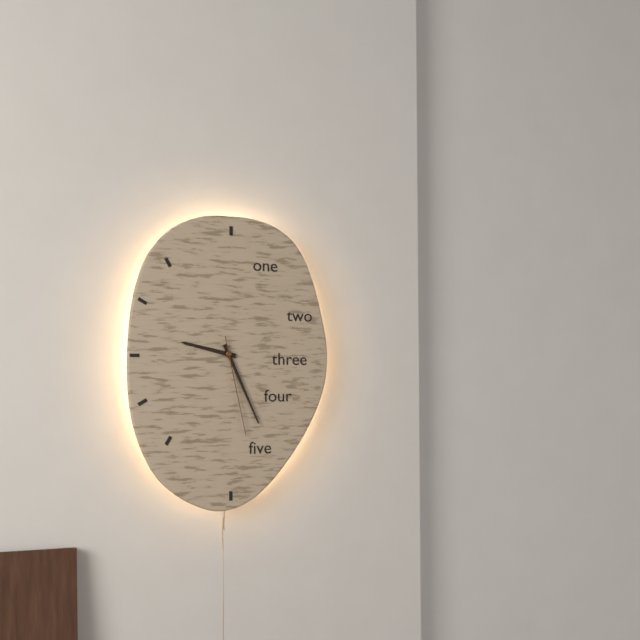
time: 9:26:28
